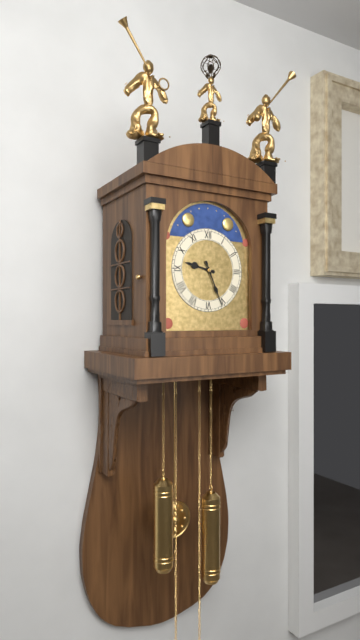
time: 9:26
